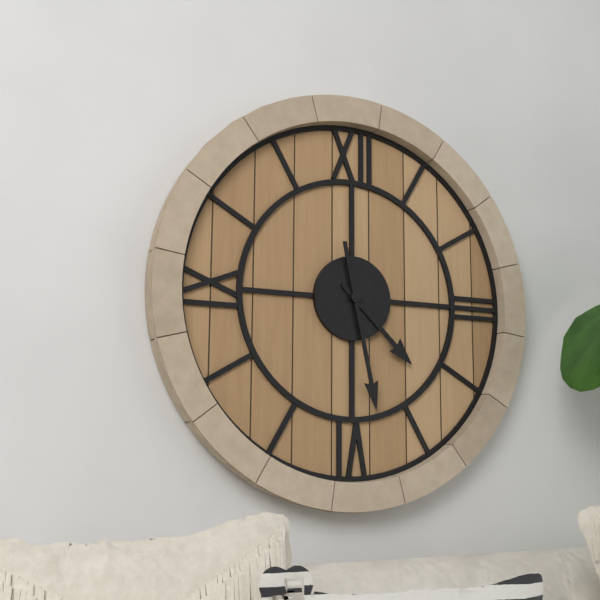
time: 4:28
